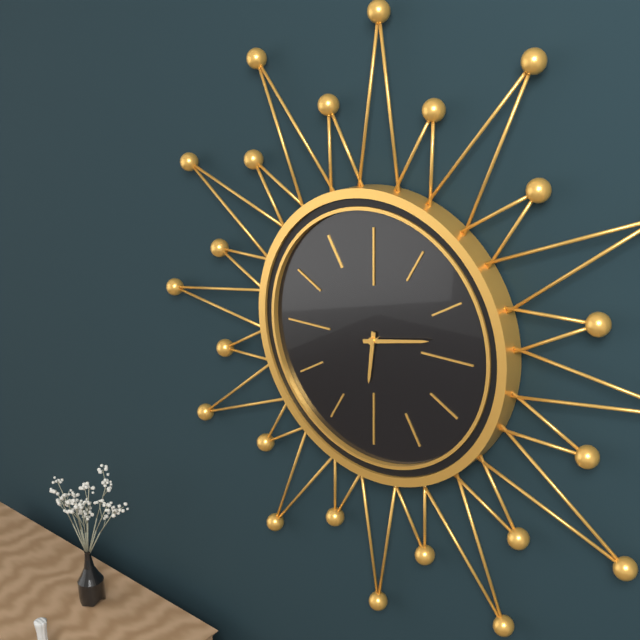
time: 6:13
